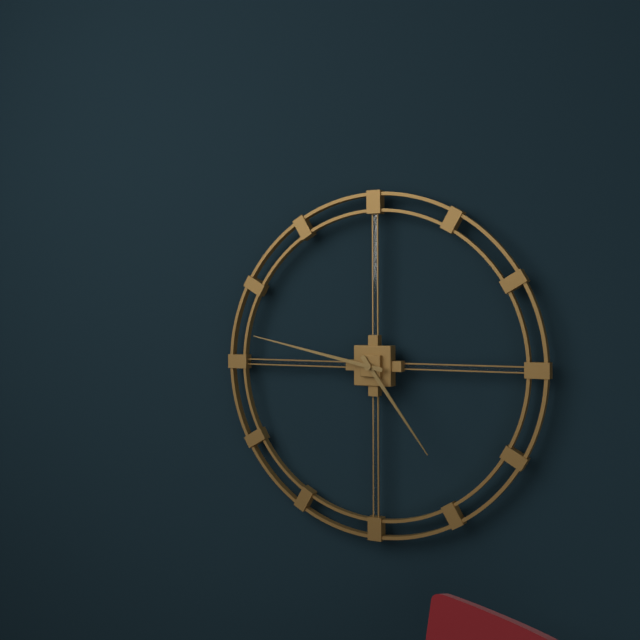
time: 4:47
